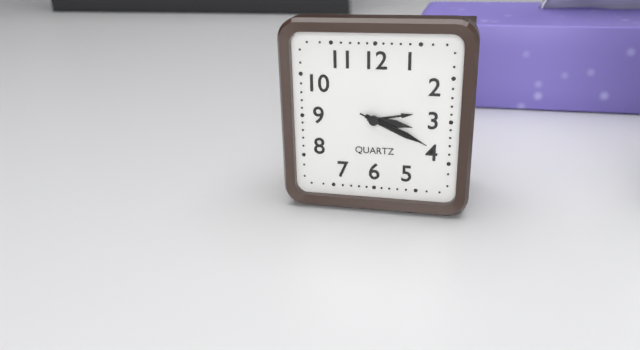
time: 3:19:19
